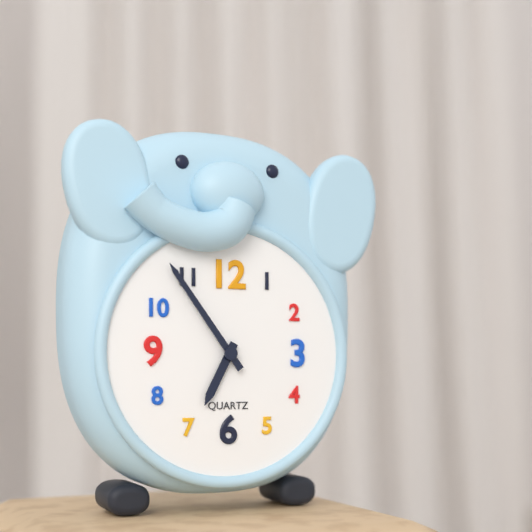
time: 6:54
